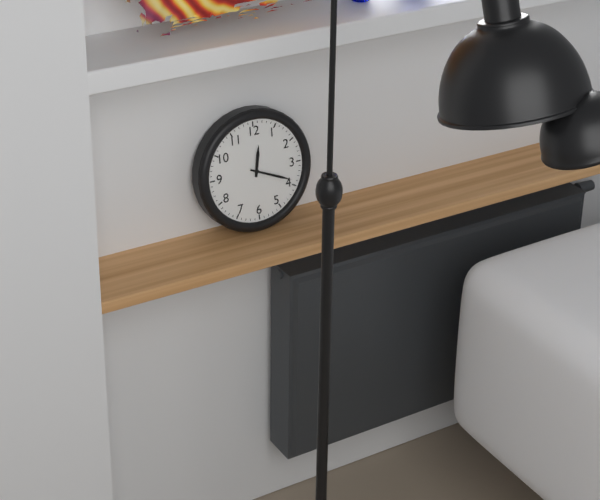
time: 12:19
